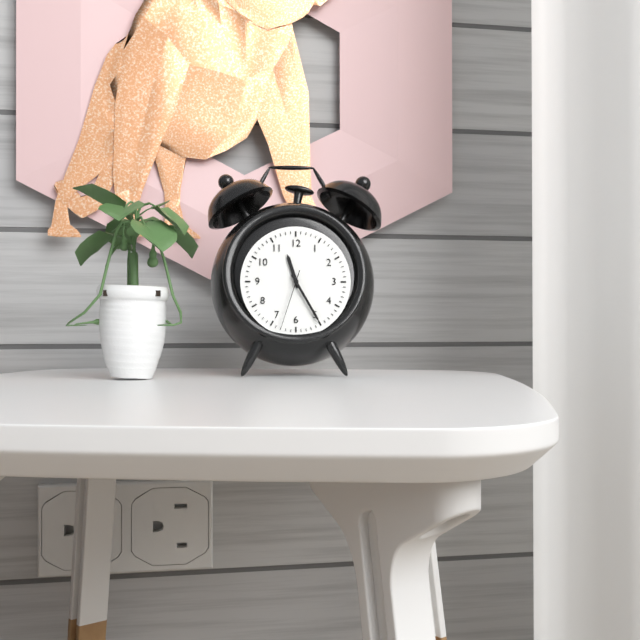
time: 11:25:33
